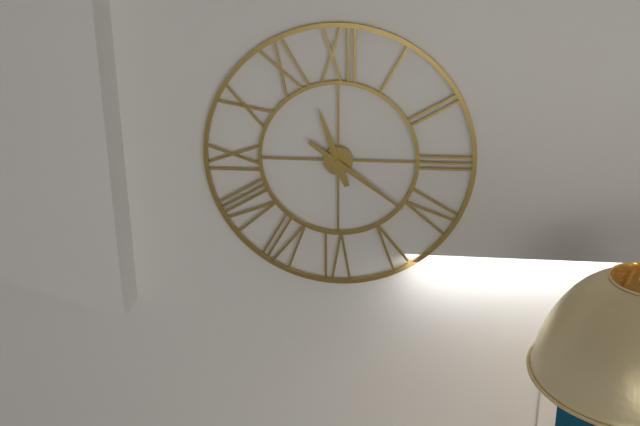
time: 11:21
